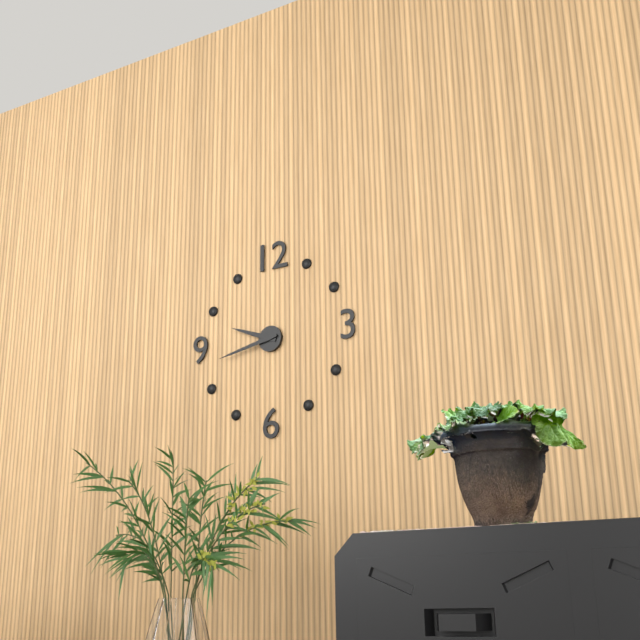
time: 9:43
